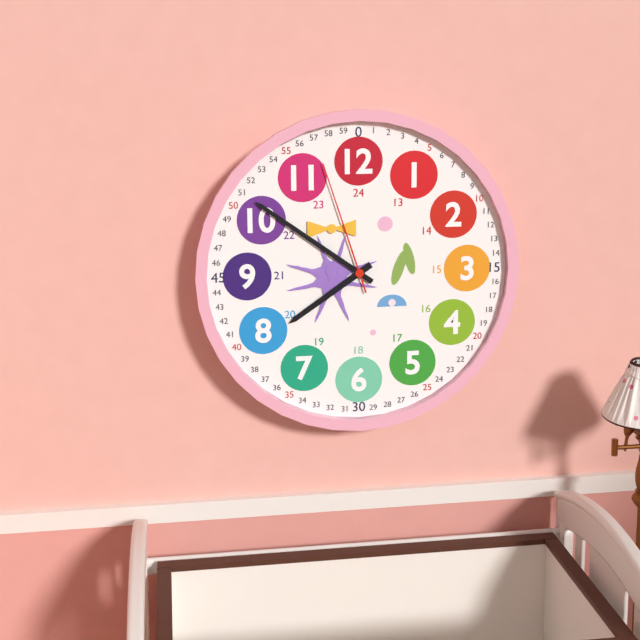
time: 7:51:57
